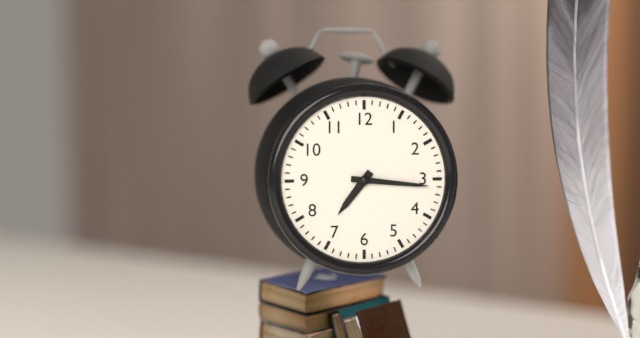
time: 7:16
